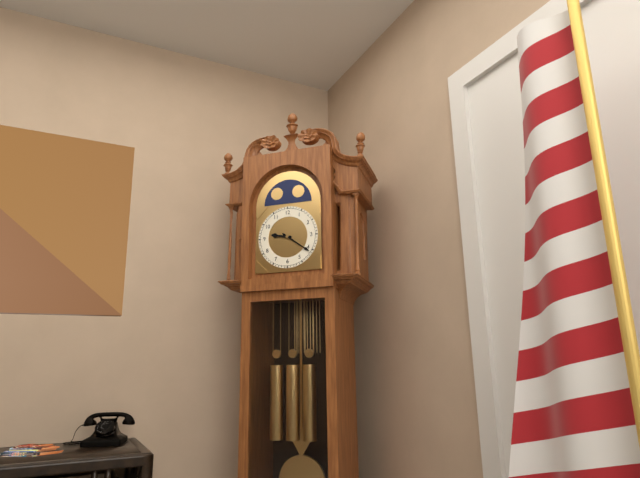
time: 9:21
